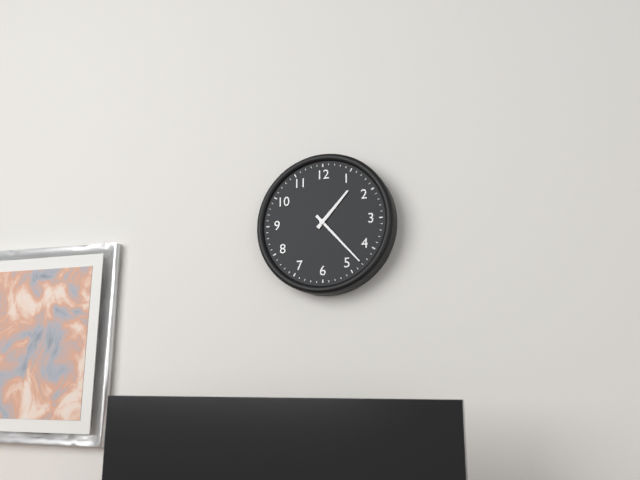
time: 1:23
